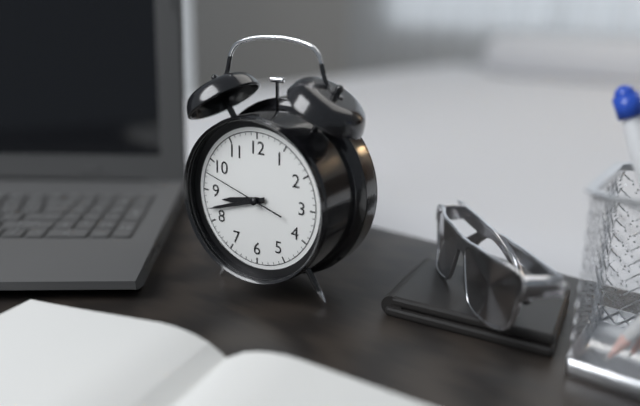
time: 8:42:48
